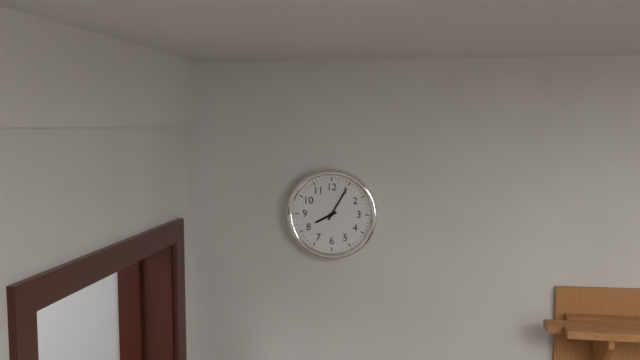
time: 8:05
